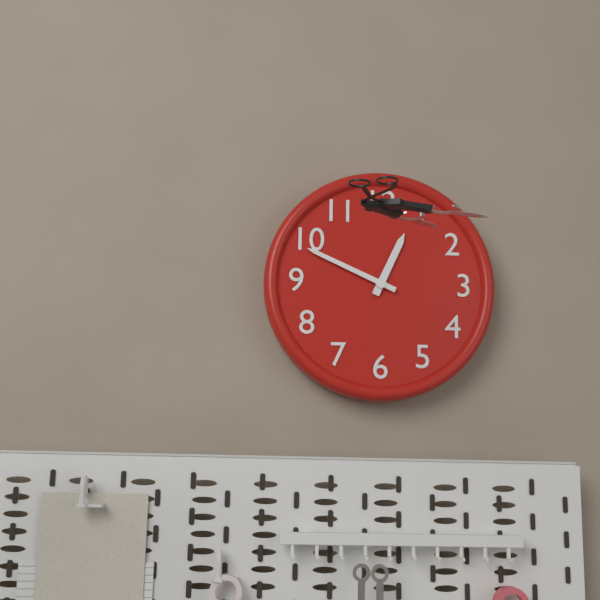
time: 12:49
